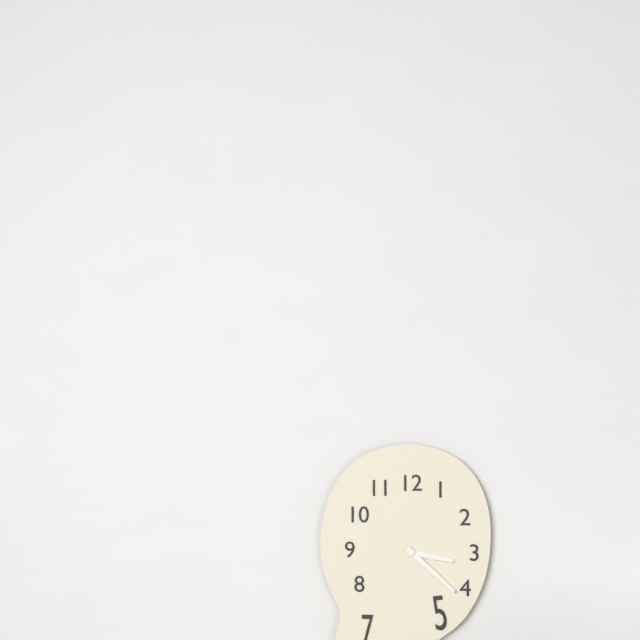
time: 3:22
